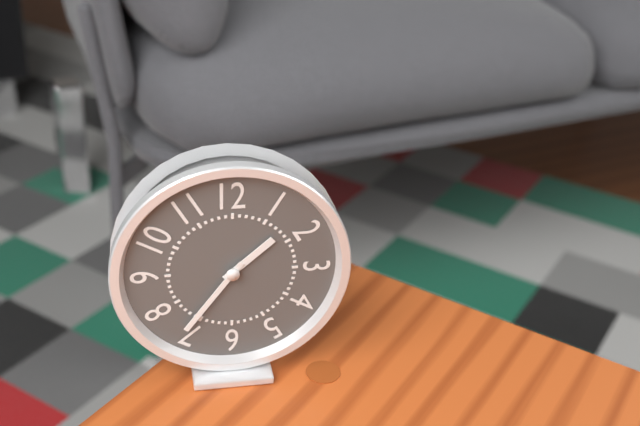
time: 1:36
